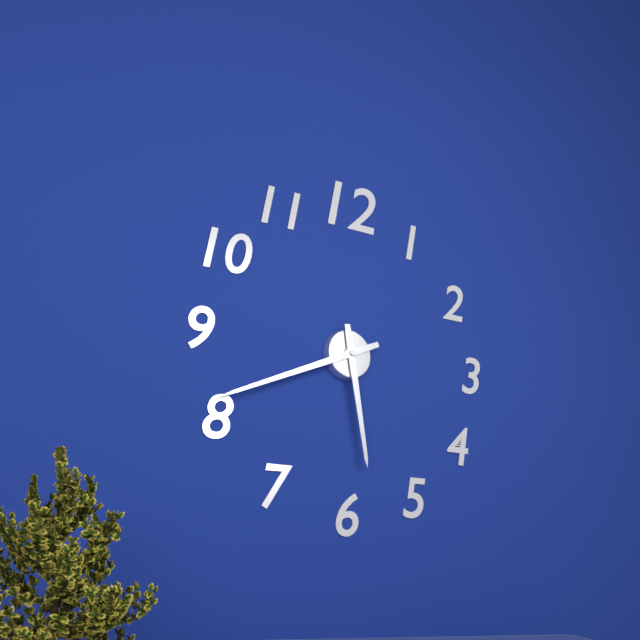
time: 5:41
